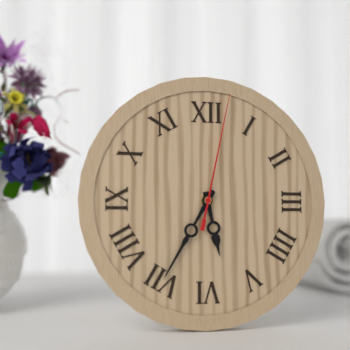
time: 5:35:02
